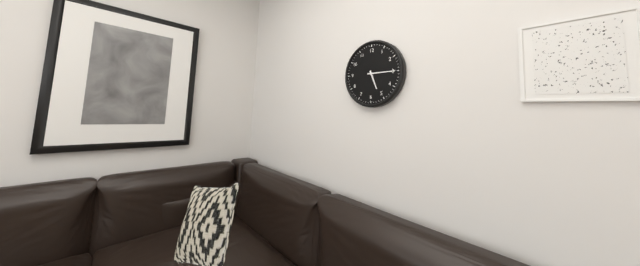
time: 5:15
